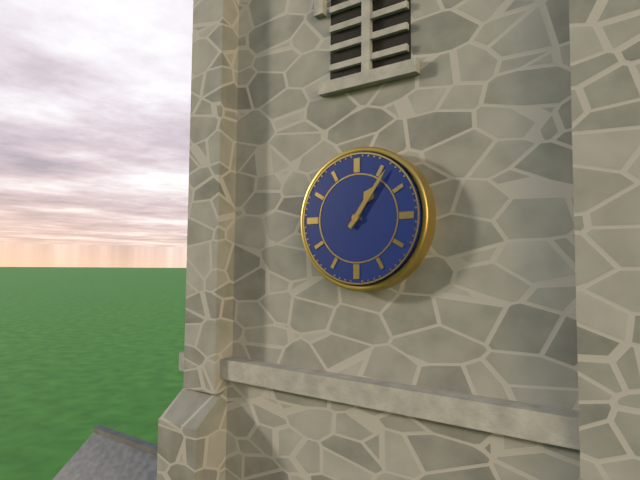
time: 1:06
